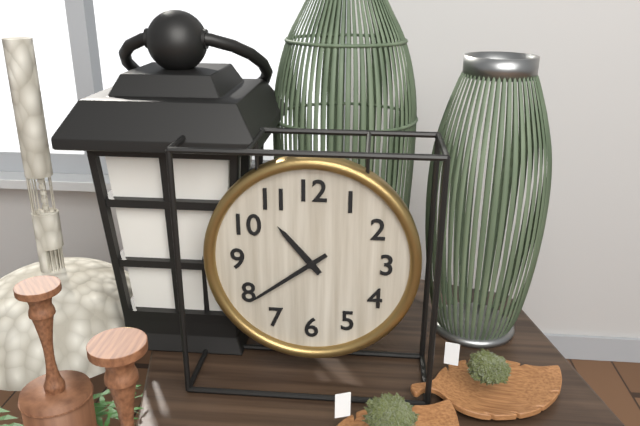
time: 10:39
